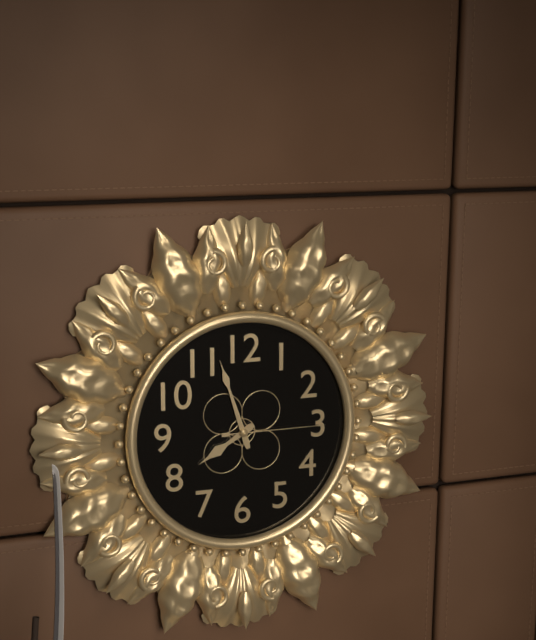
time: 7:57:15
